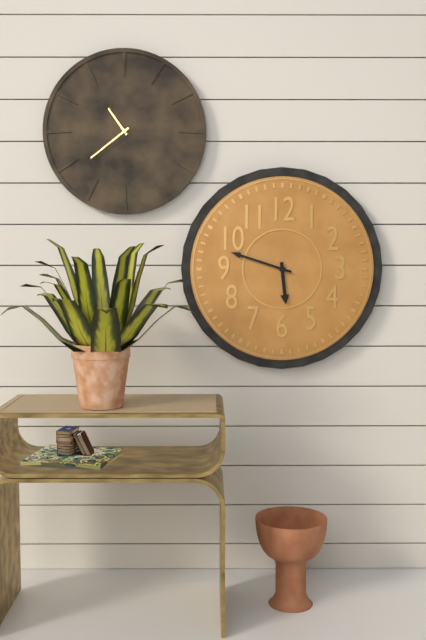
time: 5:48
